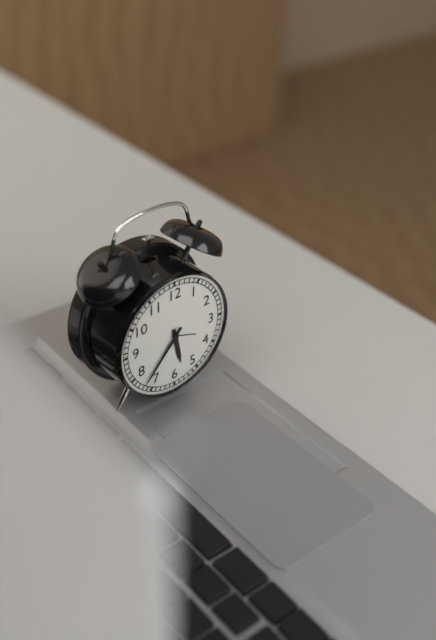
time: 5:37
